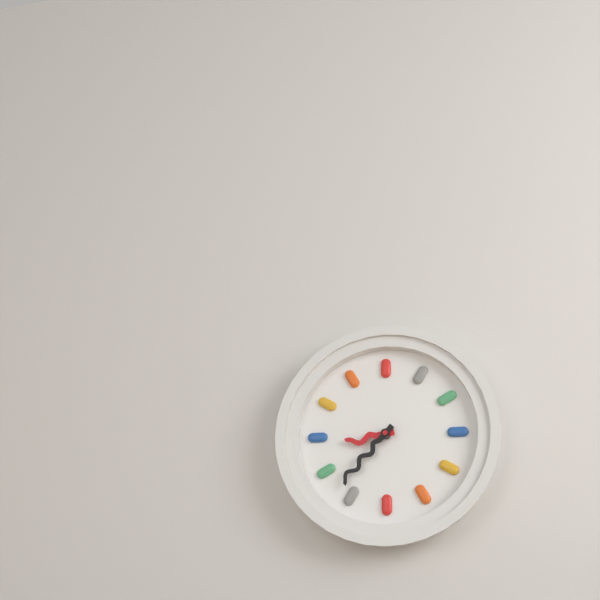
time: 8:37
